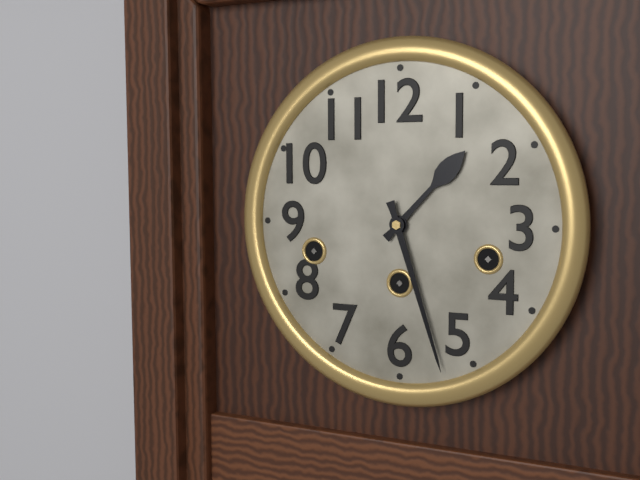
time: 1:27
